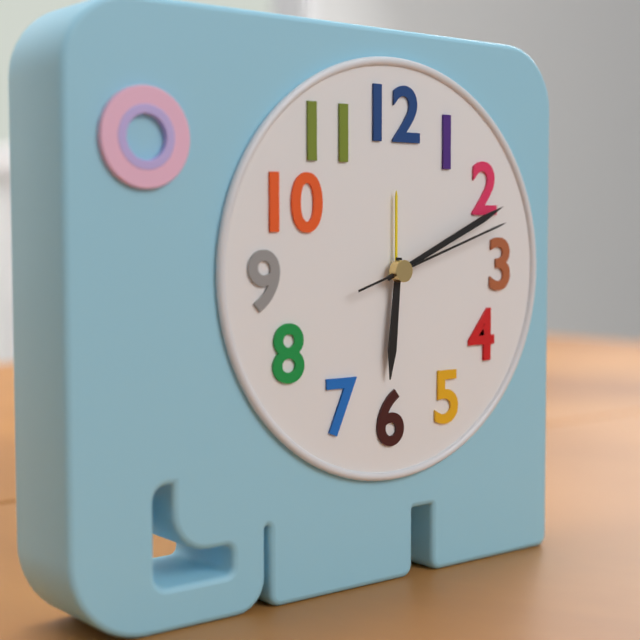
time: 6:11:12
